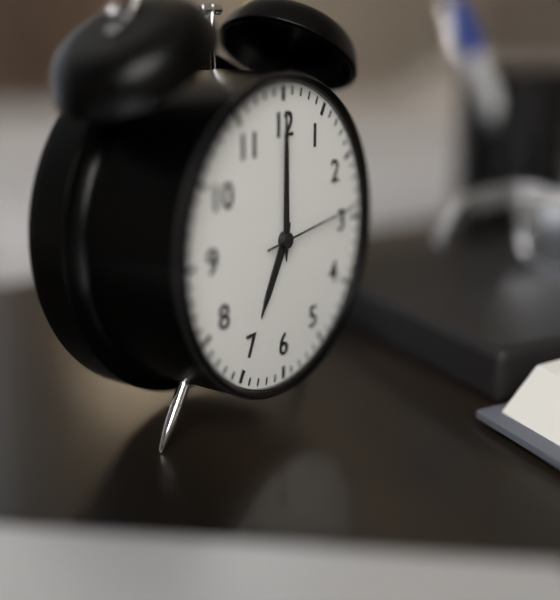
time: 7:00:14
